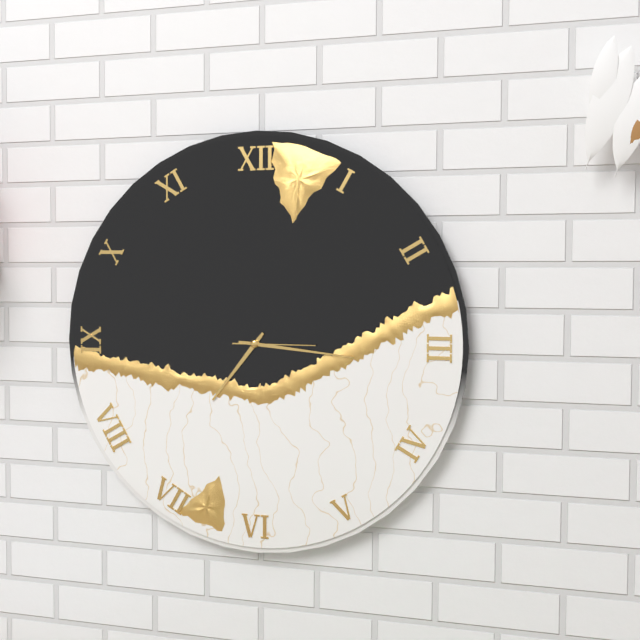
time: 7:16:15
